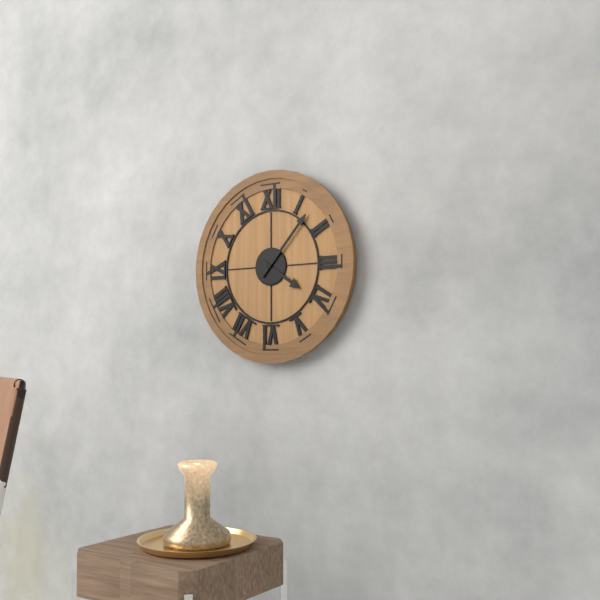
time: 4:07
